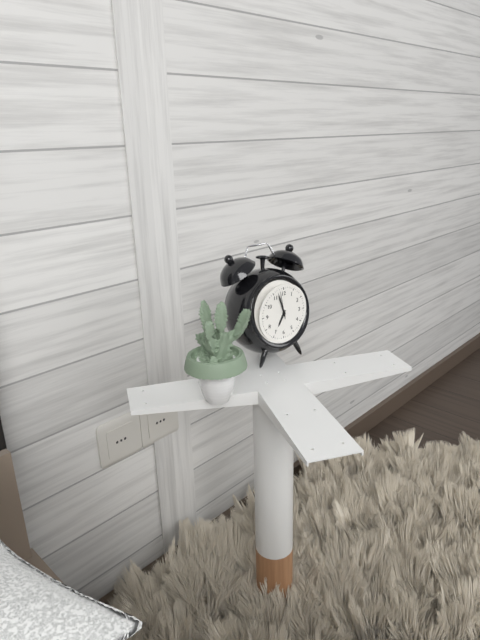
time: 6:57
